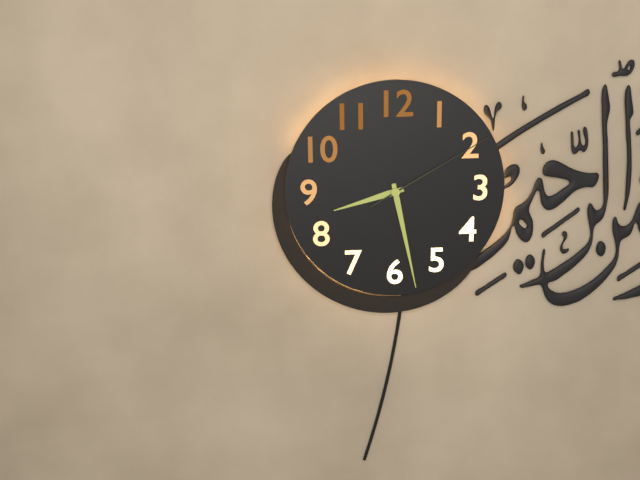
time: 8:28:10
